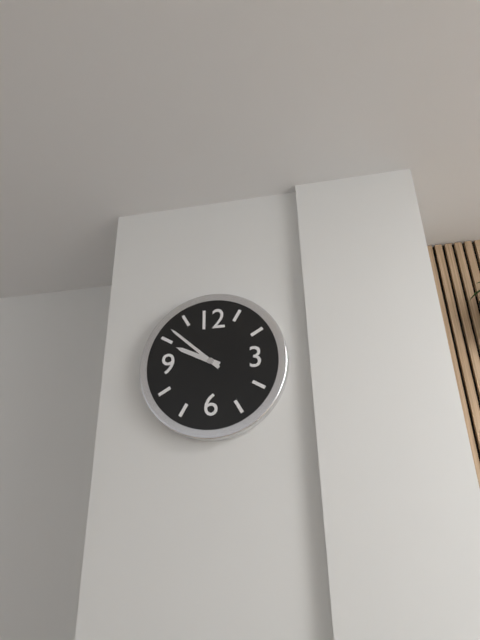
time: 9:52
